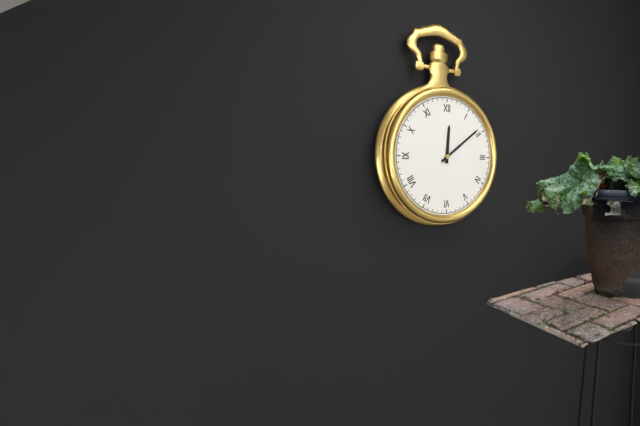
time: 12:09
